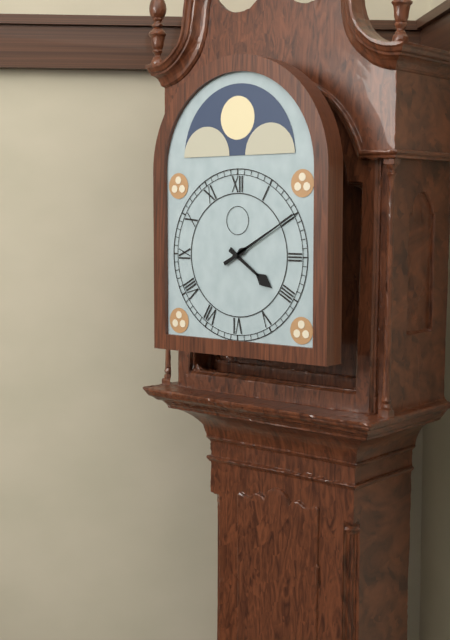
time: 4:10
